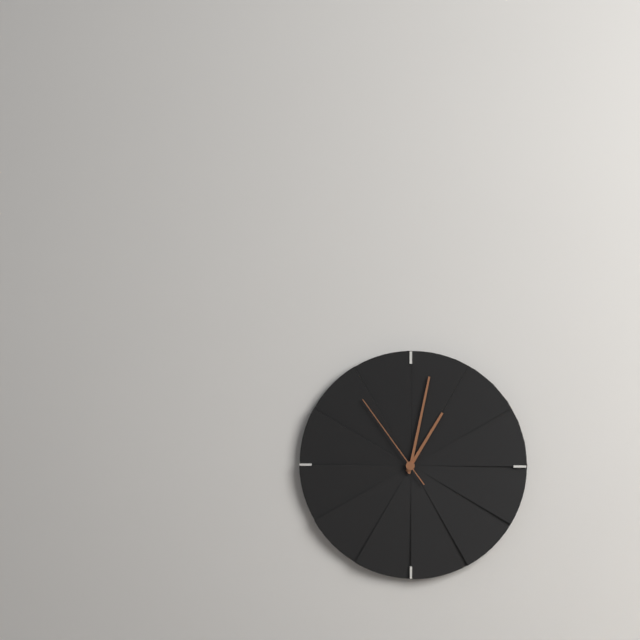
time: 1:02:54
